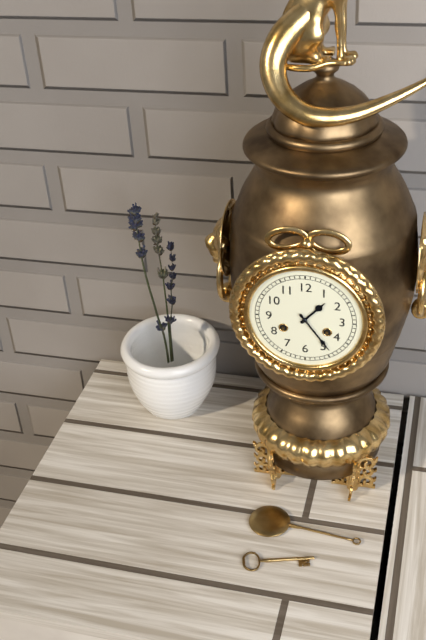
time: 1:24
